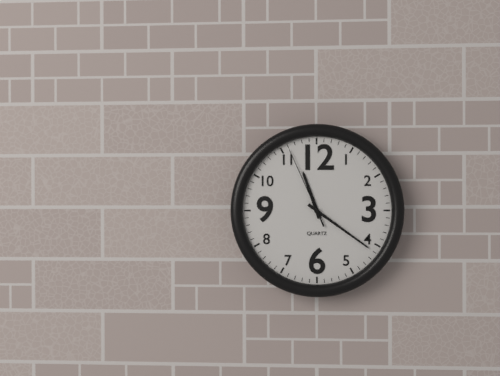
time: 11:21:56
